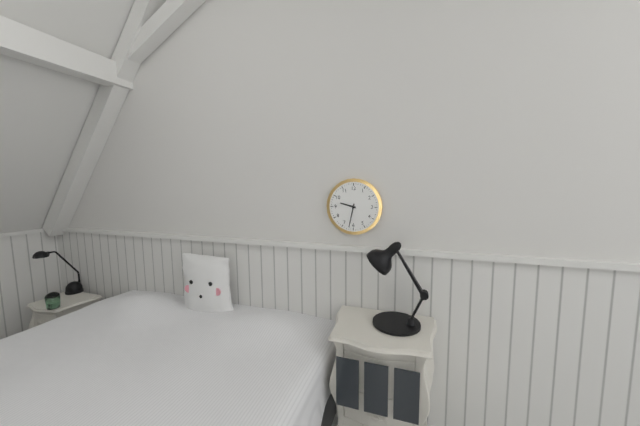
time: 9:32
